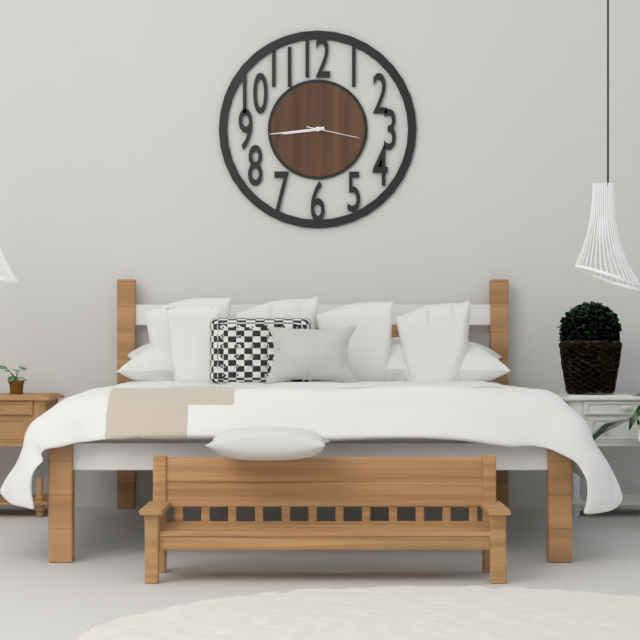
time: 8:44:17
